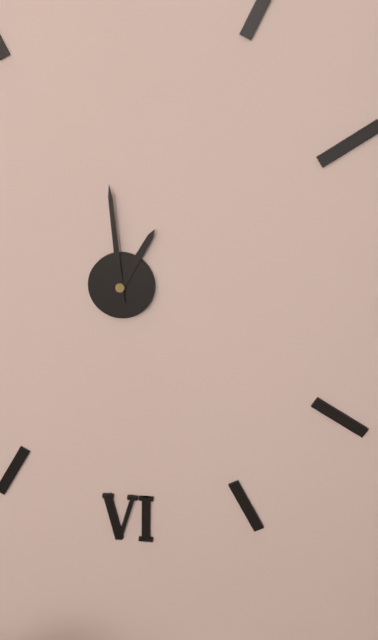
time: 12:59
